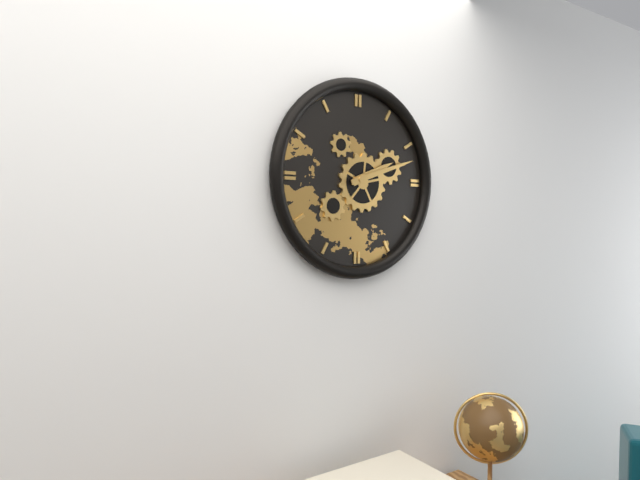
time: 2:12
